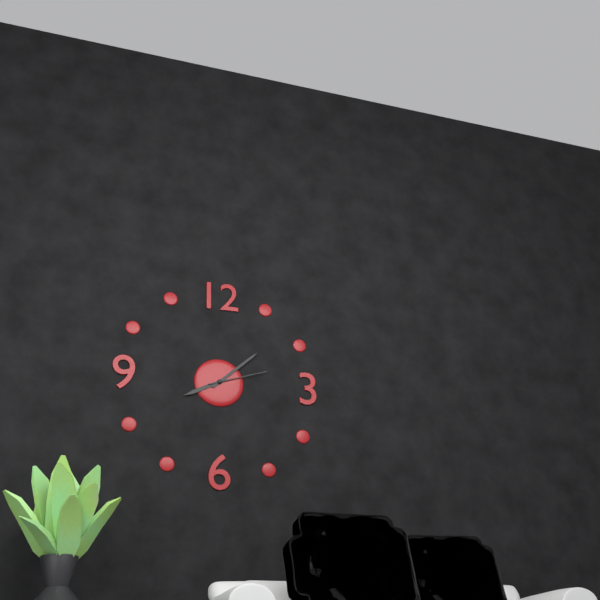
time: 8:08:12
